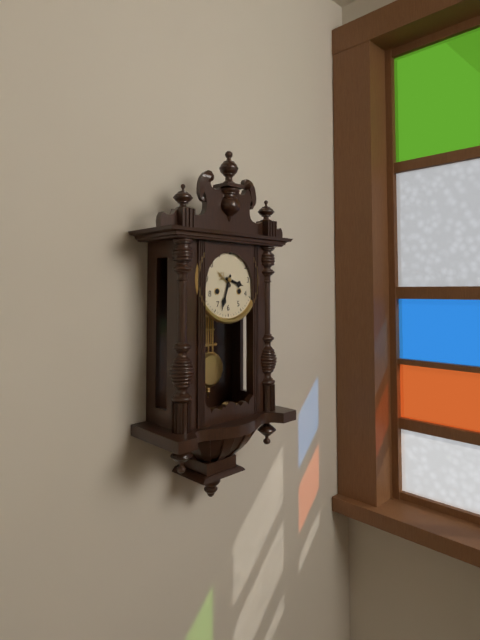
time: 3:33
